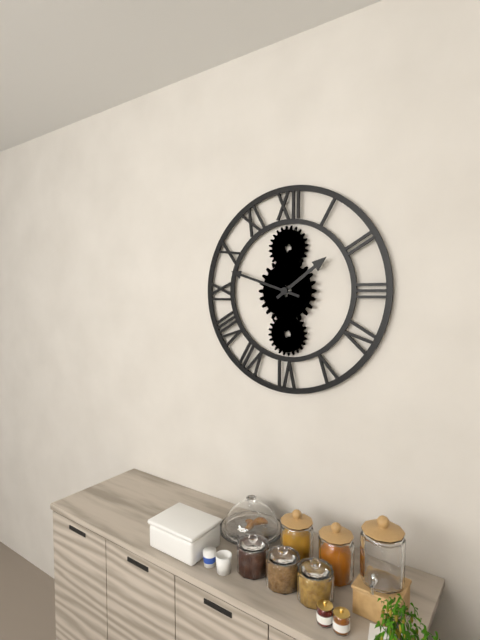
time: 1:48
